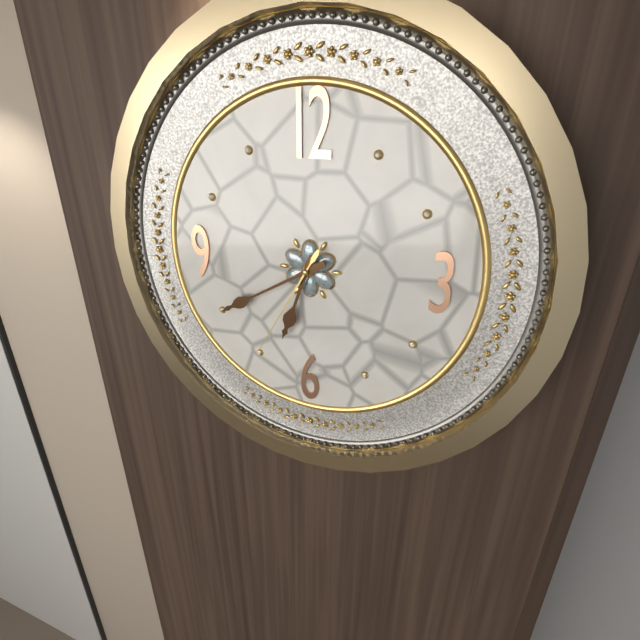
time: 6:40:35
